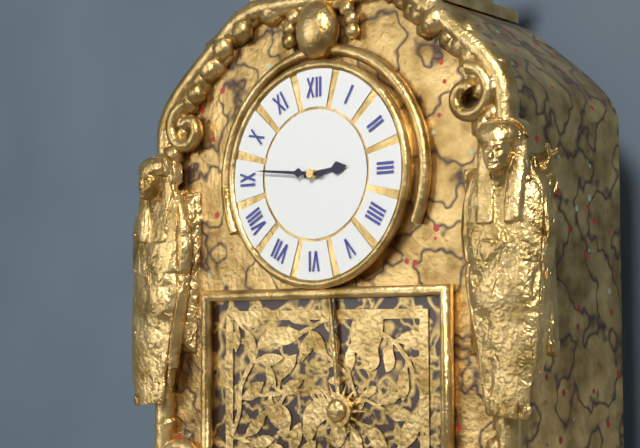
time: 2:46
